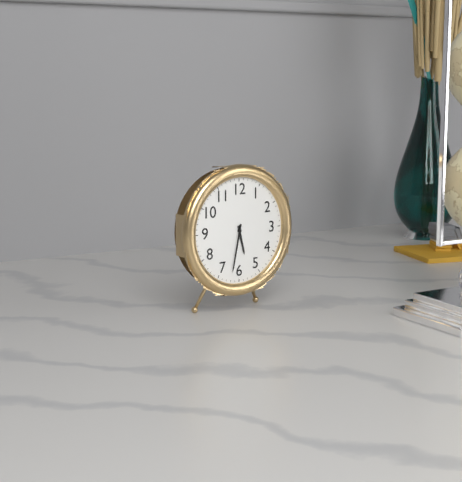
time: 5:32
